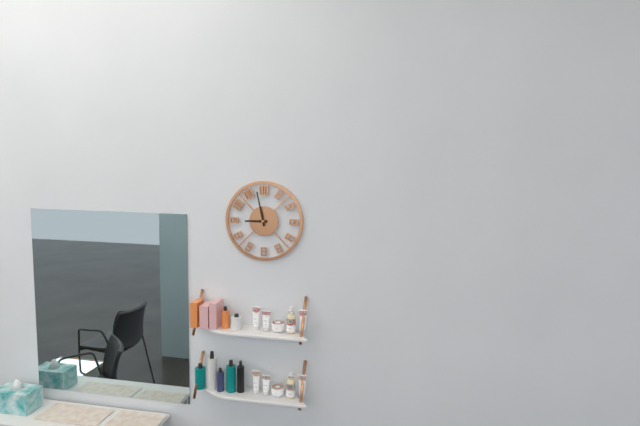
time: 8:58
